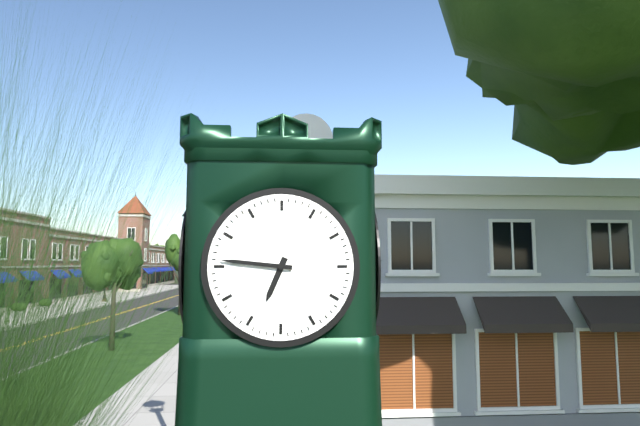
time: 6:46
